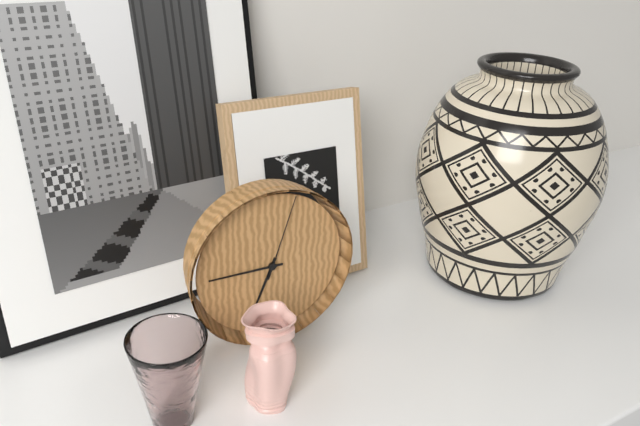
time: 6:45:03
